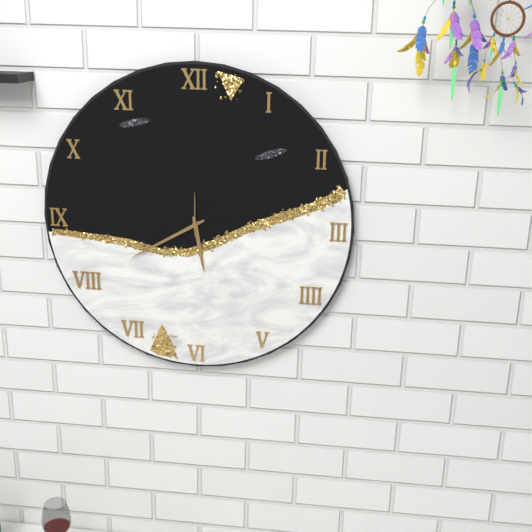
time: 5:40
